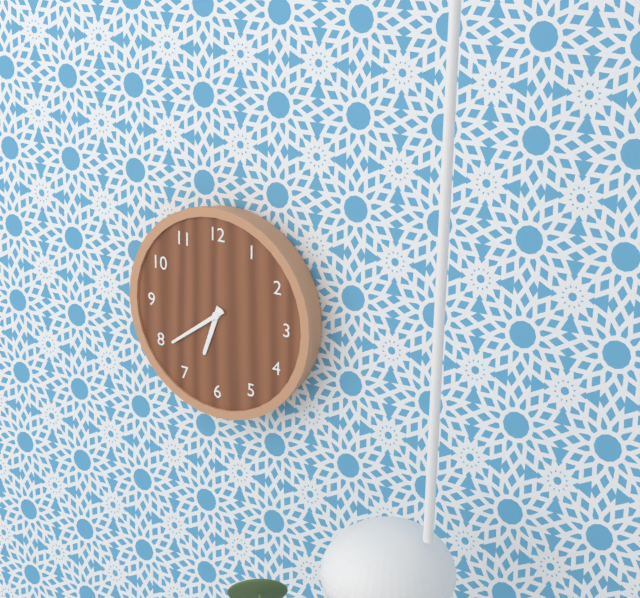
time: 6:39
